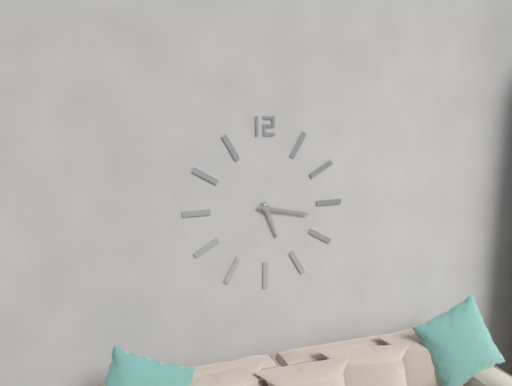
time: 5:17
